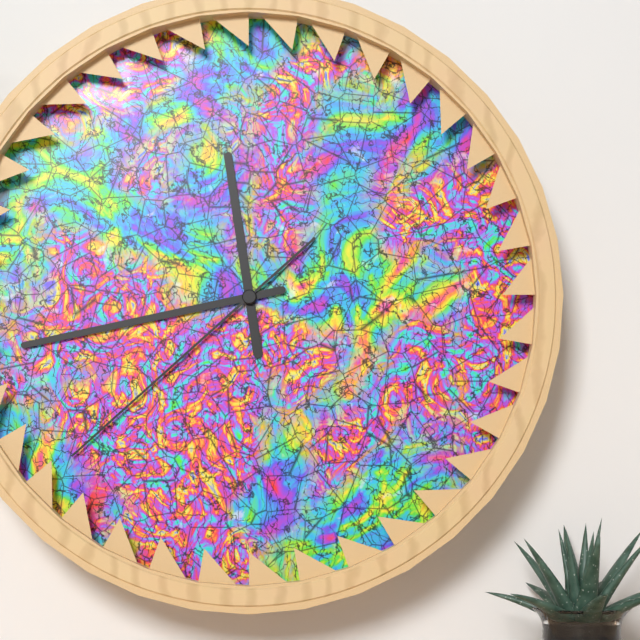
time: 11:43:38
